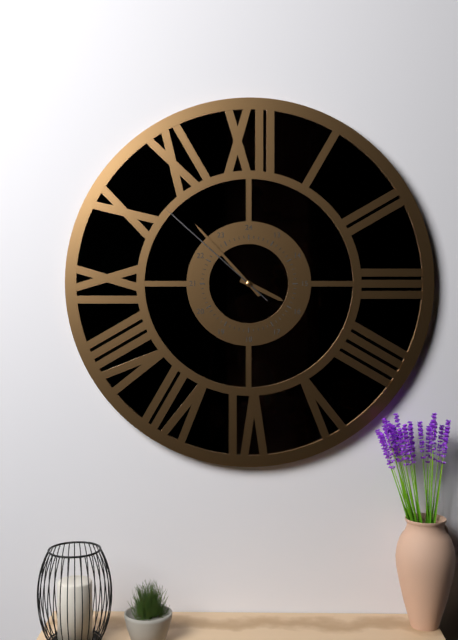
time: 3:53:52
